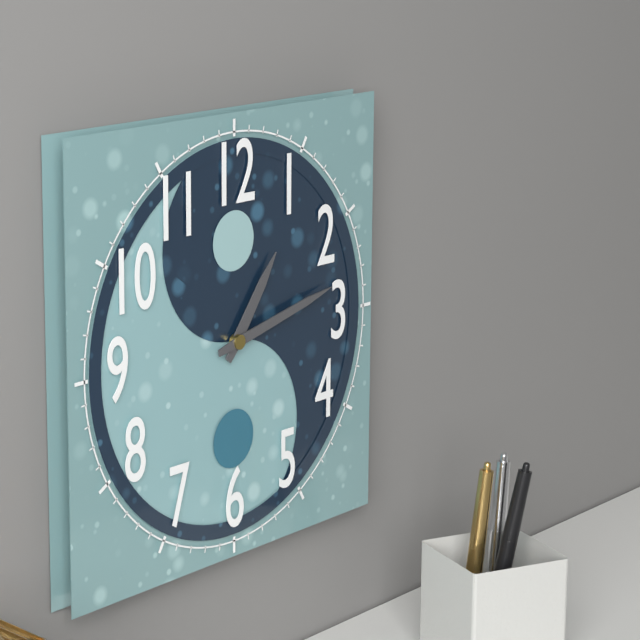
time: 1:13
